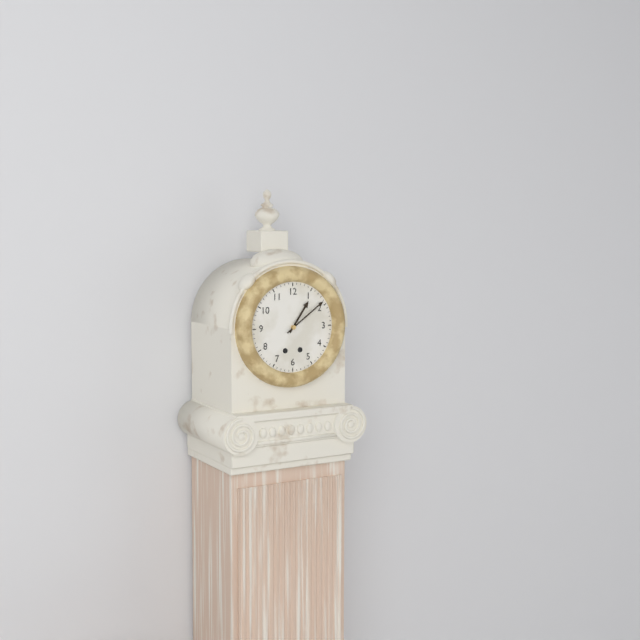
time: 1:09
